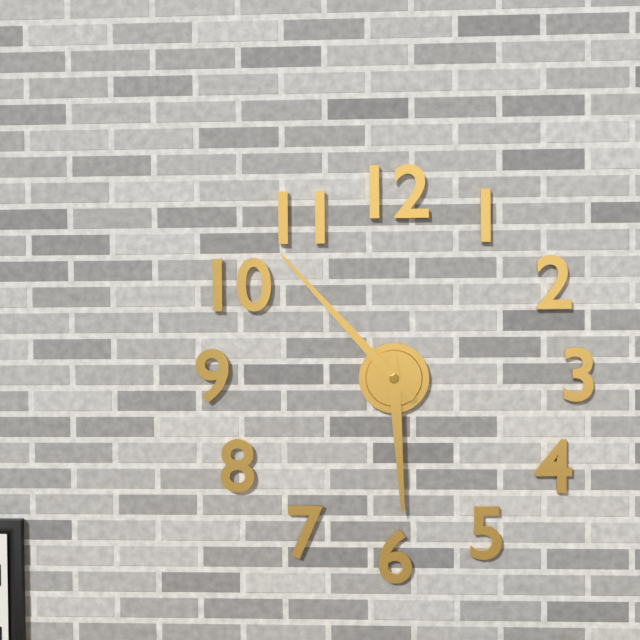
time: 5:53
